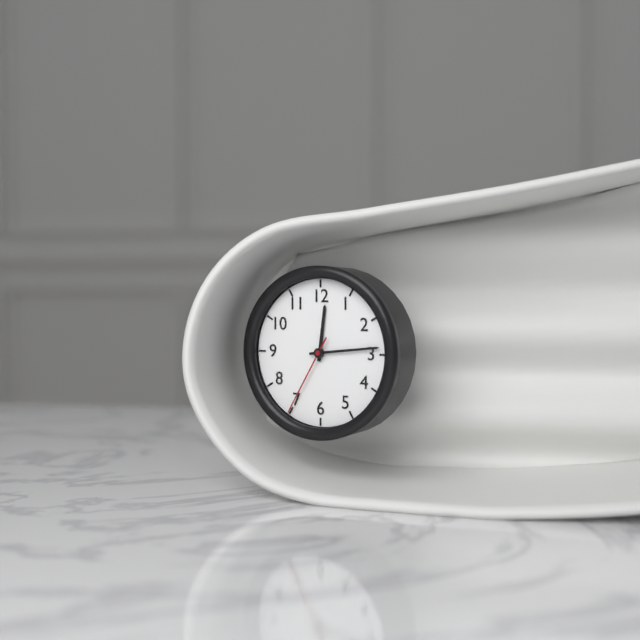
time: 12:14:35
